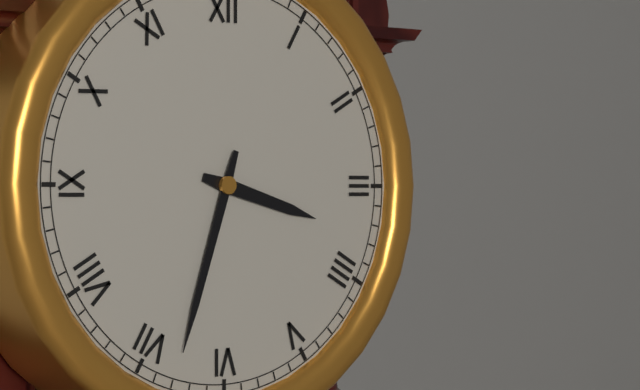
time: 3:33
